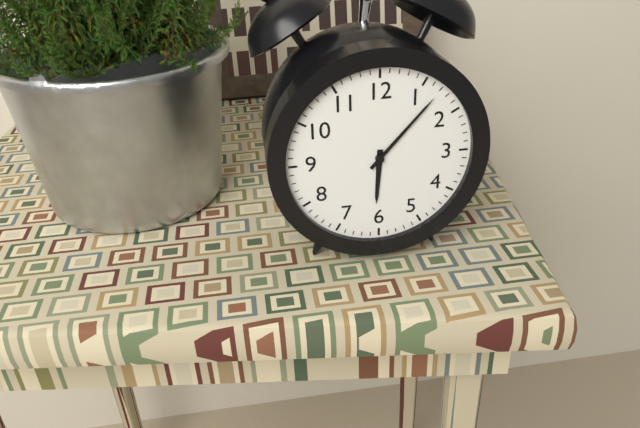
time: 6:07
